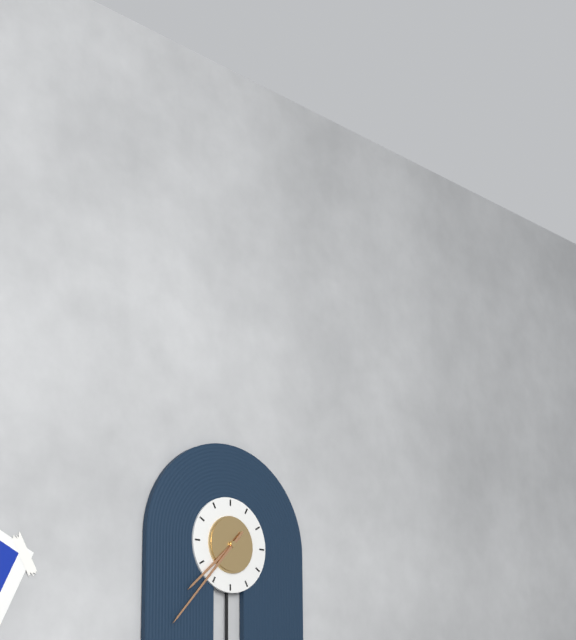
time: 7:37
